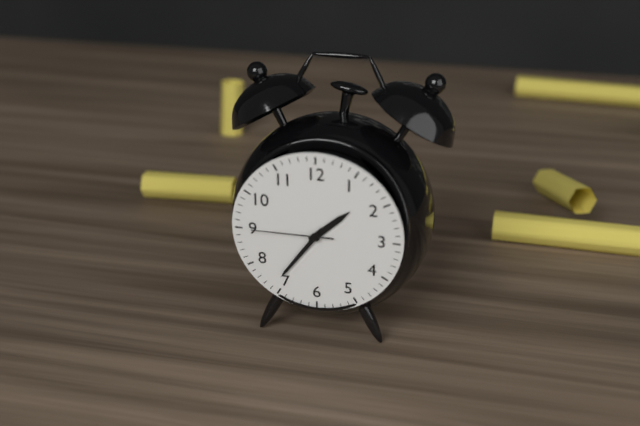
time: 1:36:45
